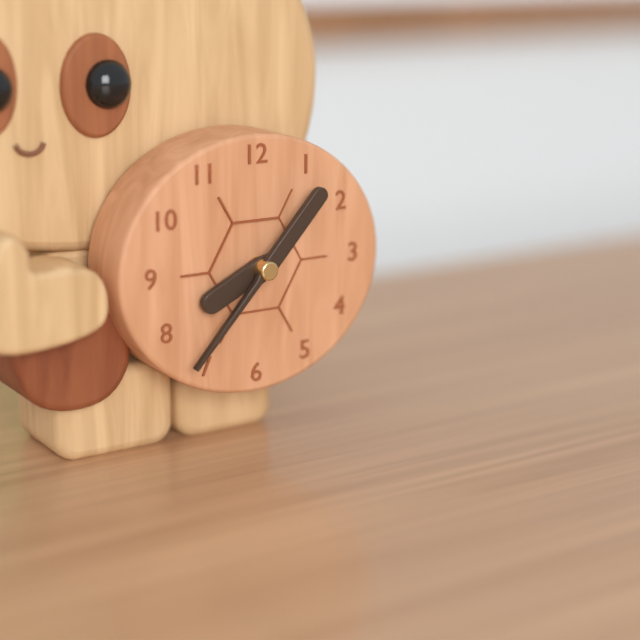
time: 8:07
